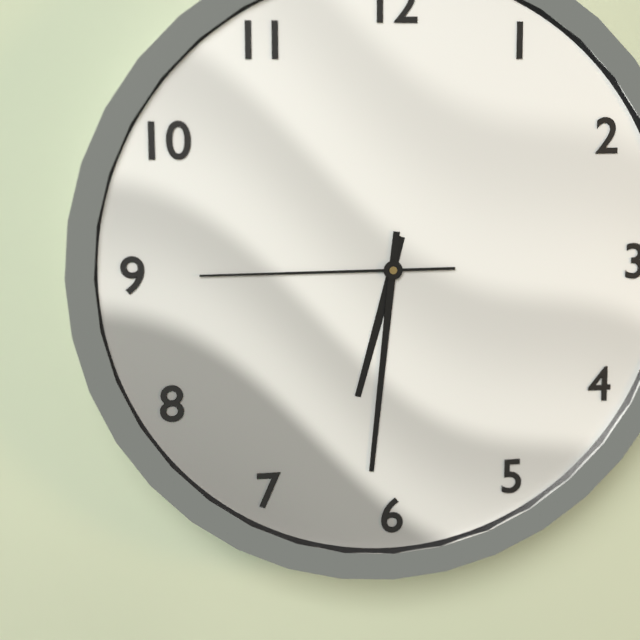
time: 6:31:45
